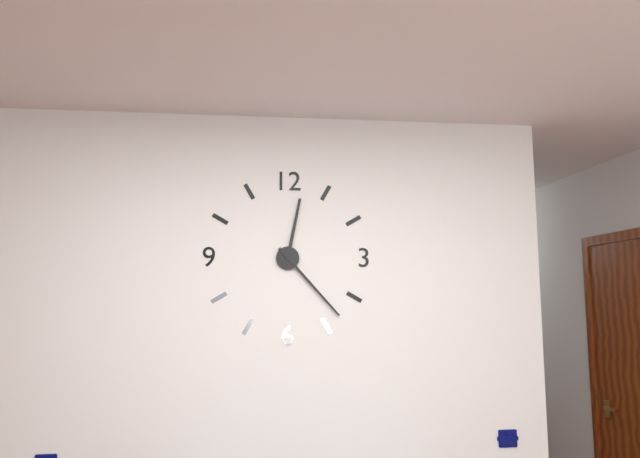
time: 12:23
